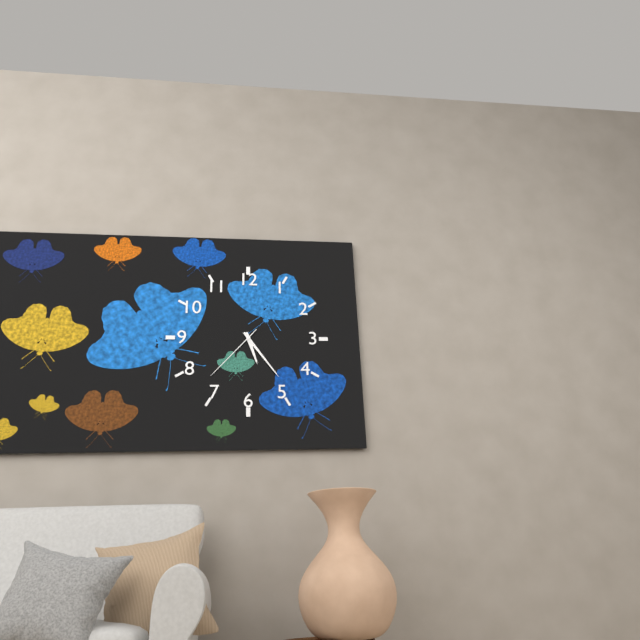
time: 5:24:37
